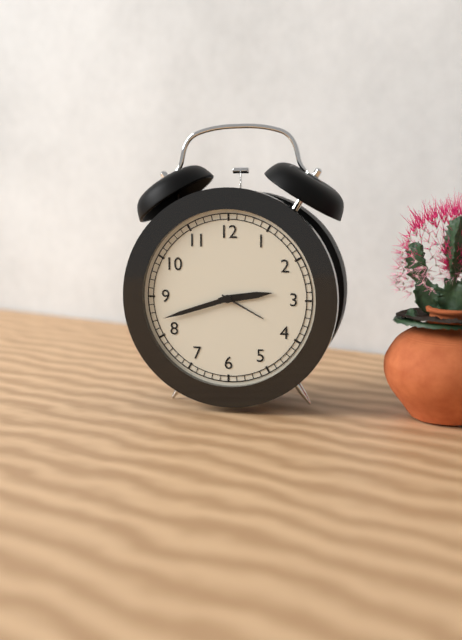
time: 2:42
